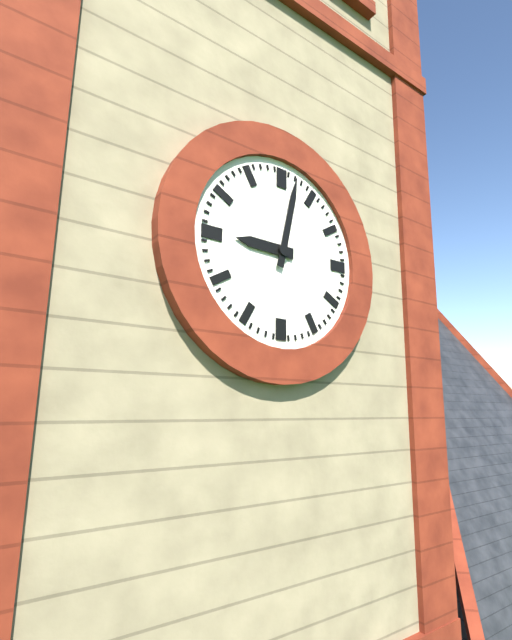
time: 9:02
